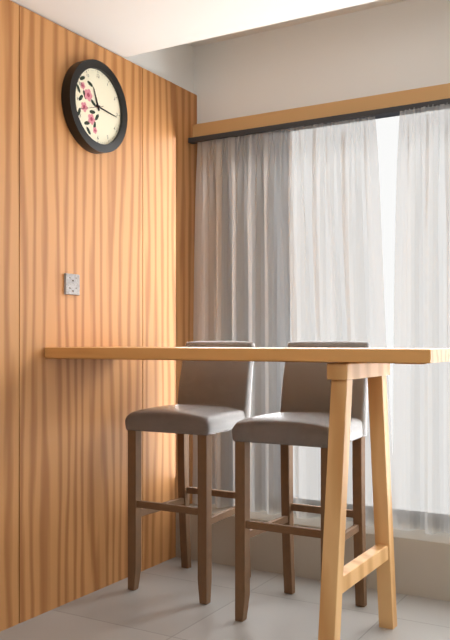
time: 11:16
